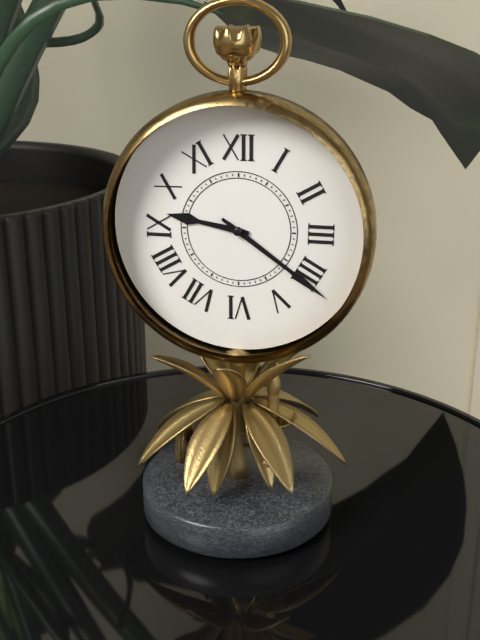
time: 9:21
